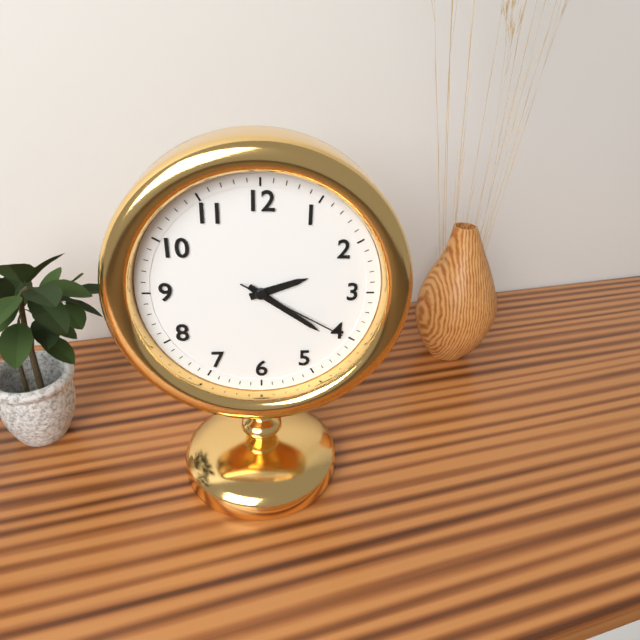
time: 2:21:20
